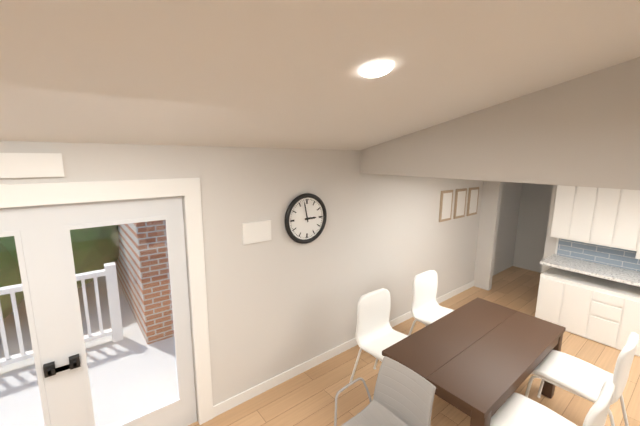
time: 2:58
